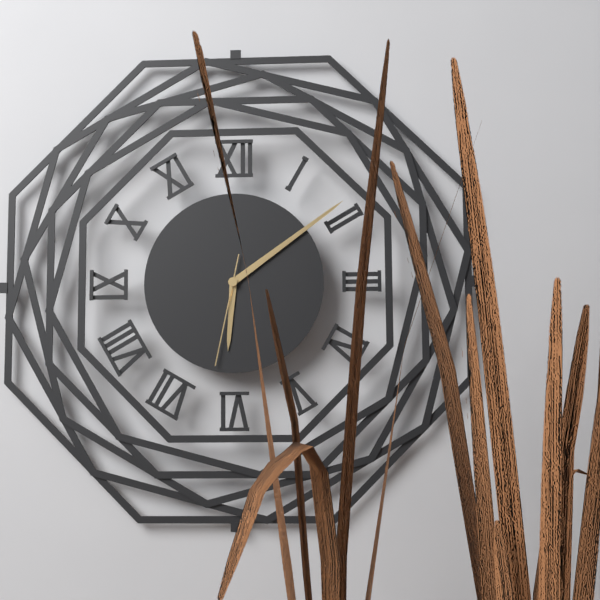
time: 6:09:32
